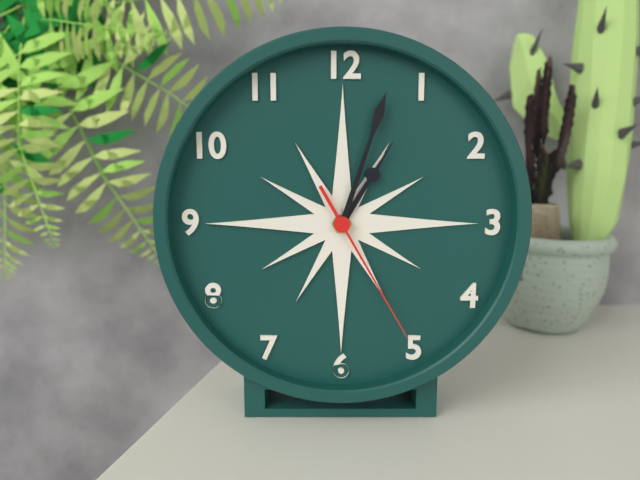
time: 1:03:25
